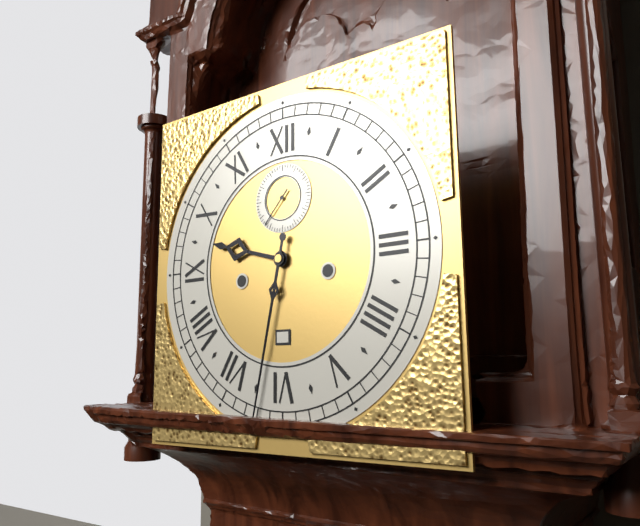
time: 9:32
